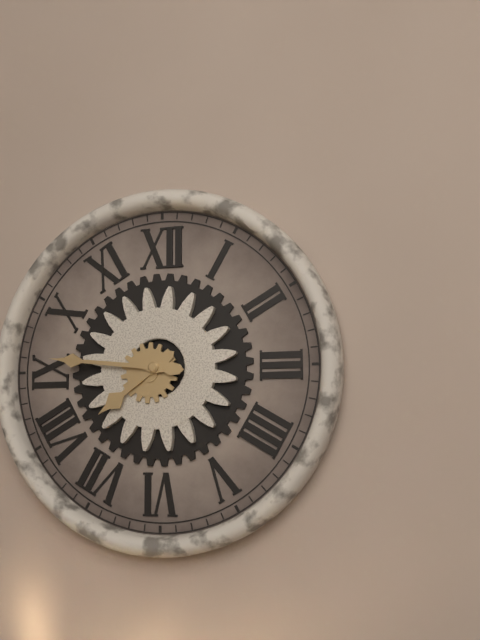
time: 7:46
